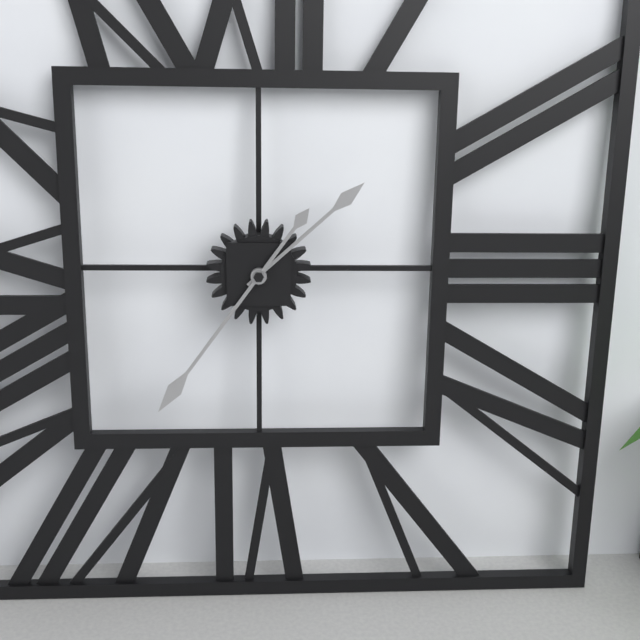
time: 1:36
